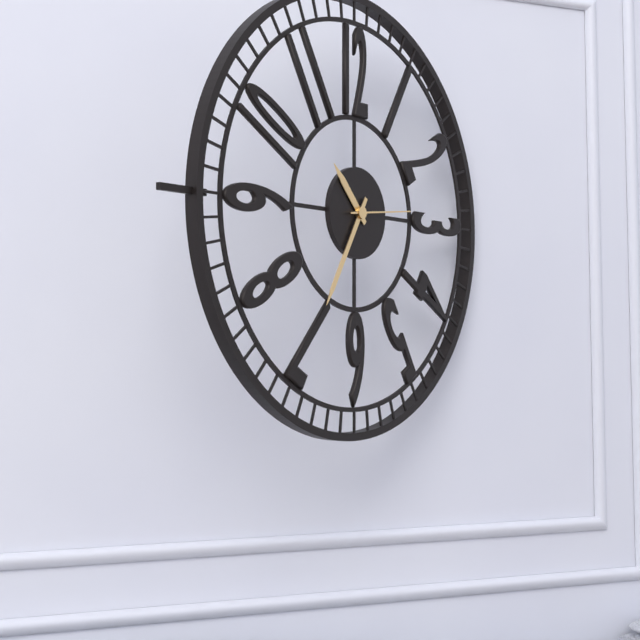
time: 10:35:14
